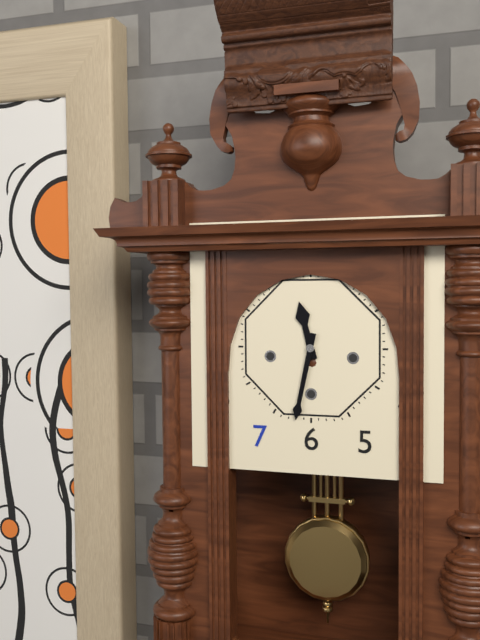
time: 11:32
